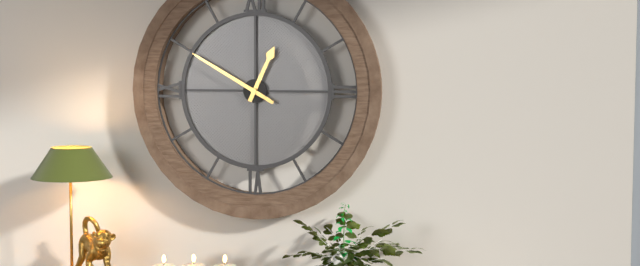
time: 12:50
